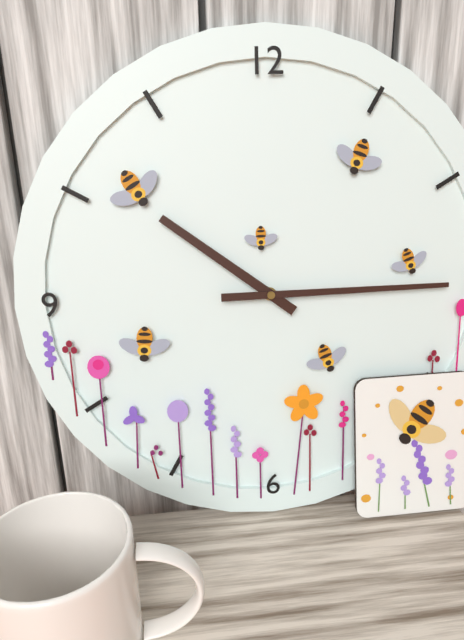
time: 10:15
